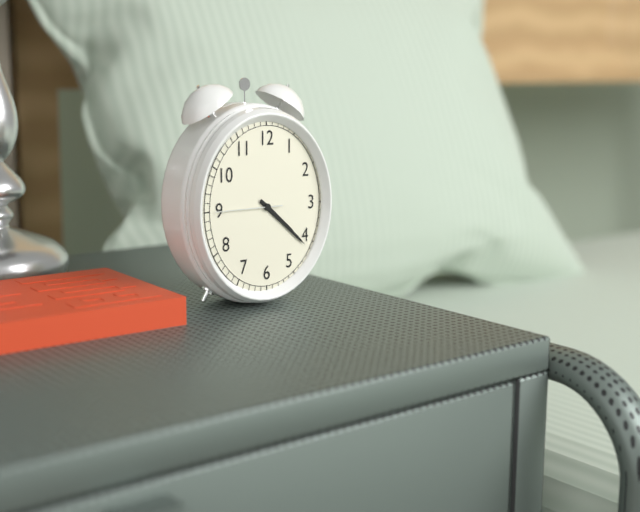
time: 4:22:45
